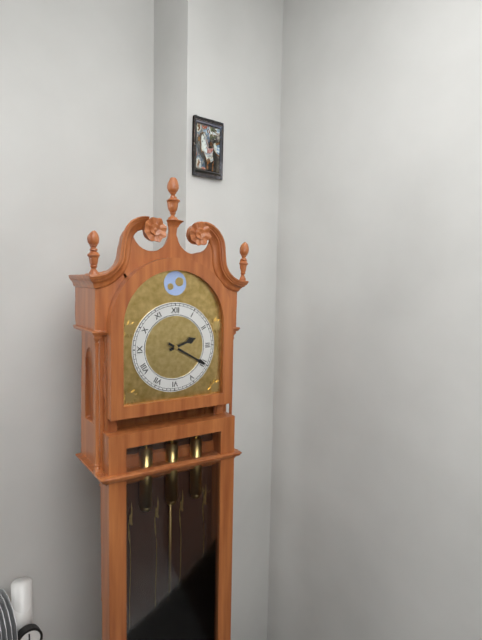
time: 2:20
